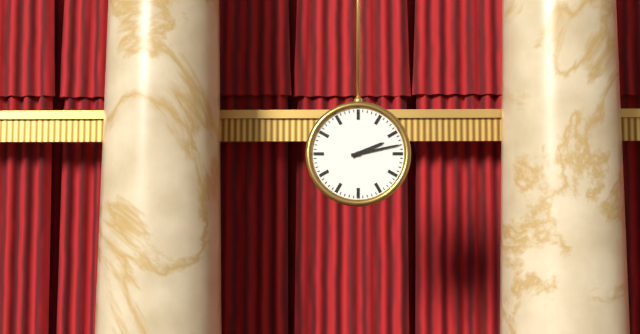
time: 2:13
